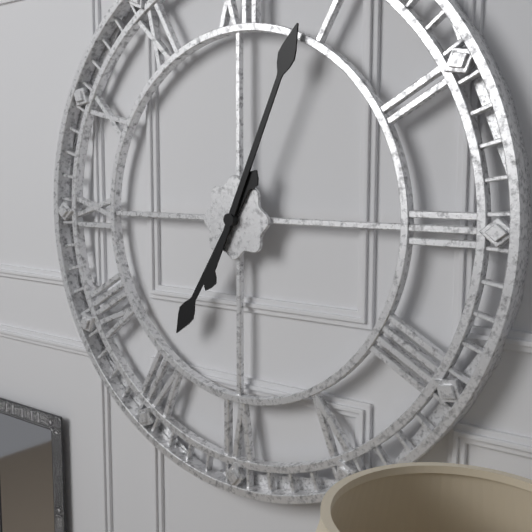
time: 7:04
